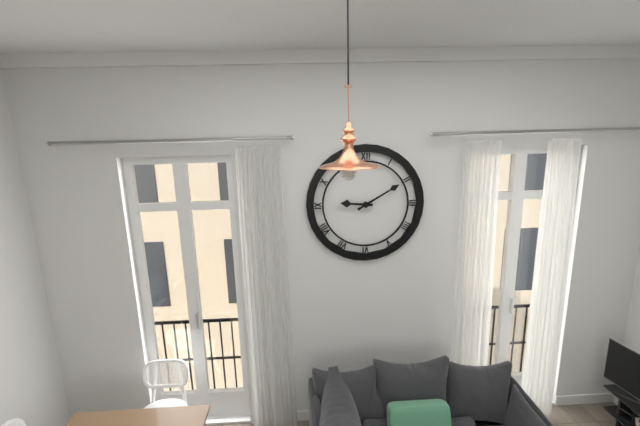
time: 9:10
